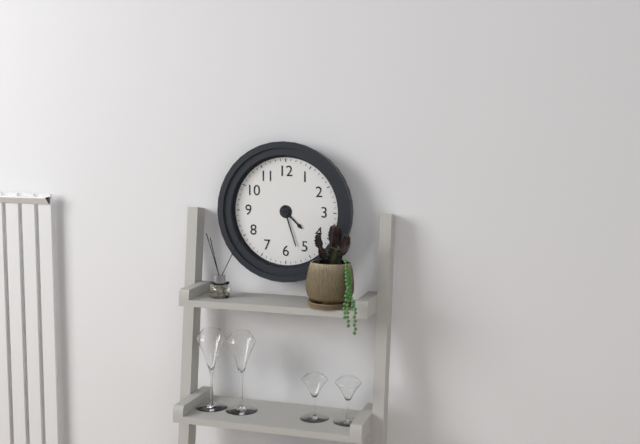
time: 4:27
